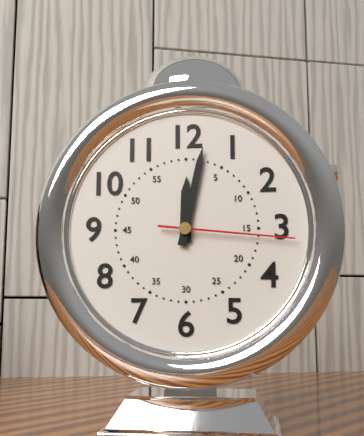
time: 12:02:16
